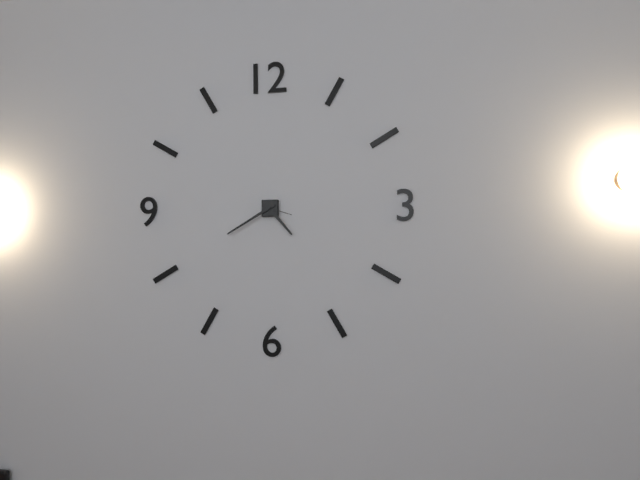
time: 4:40
